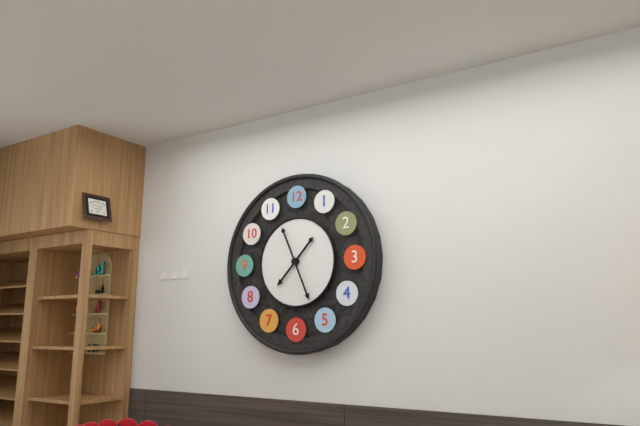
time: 7:26
